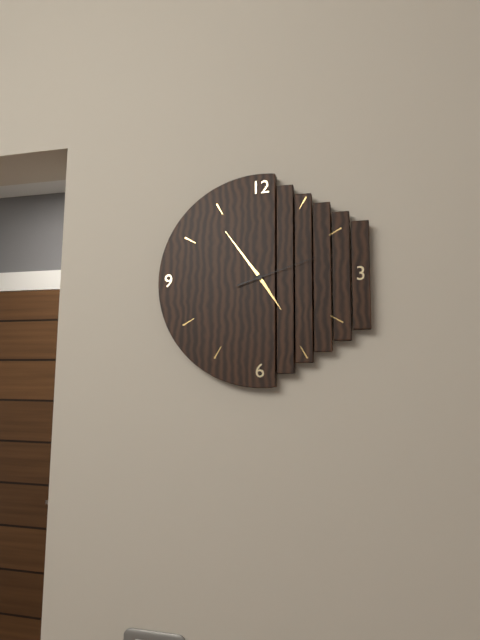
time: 4:54:12
